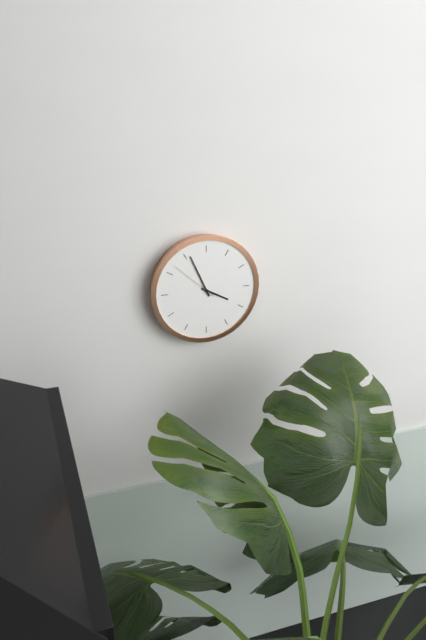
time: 3:56:52
